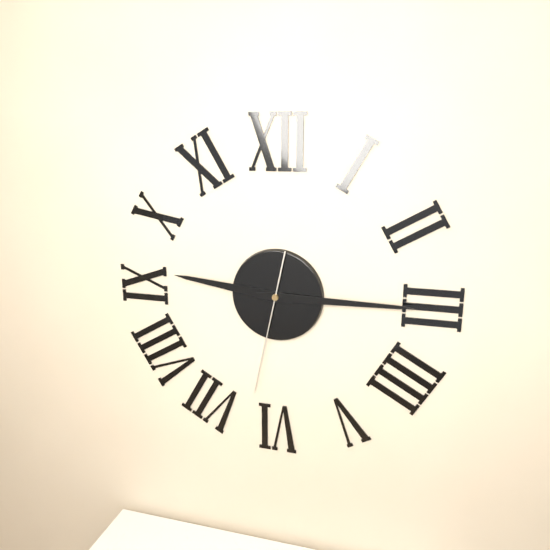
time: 9:15:32
